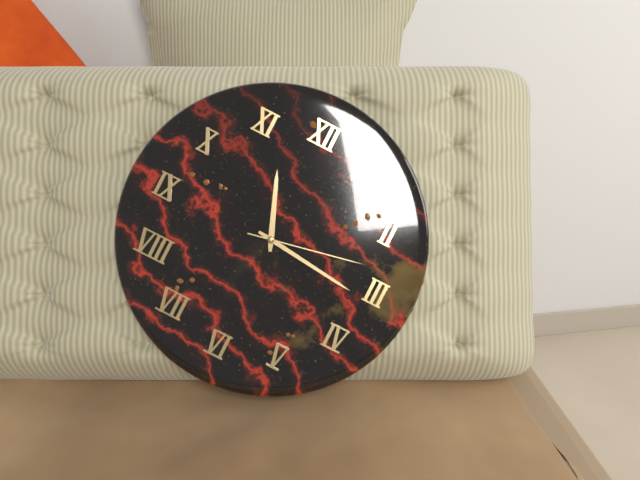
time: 11:16:13
